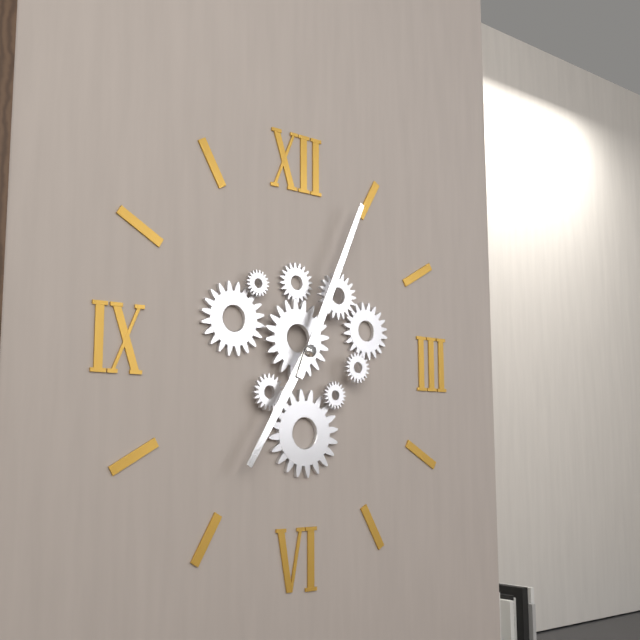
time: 7:04
